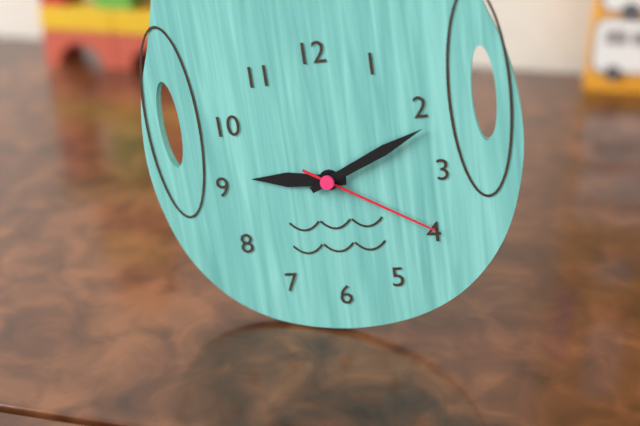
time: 9:11:20
